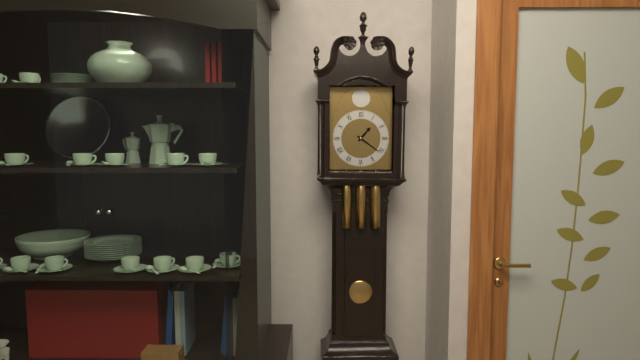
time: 1:21
